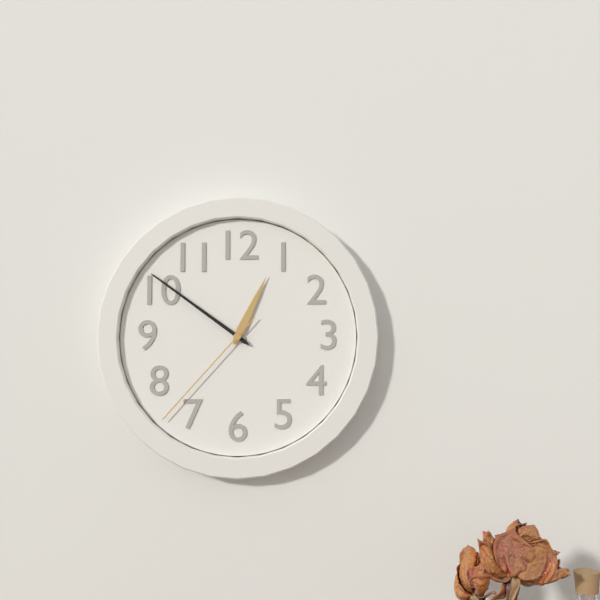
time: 12:51:37
